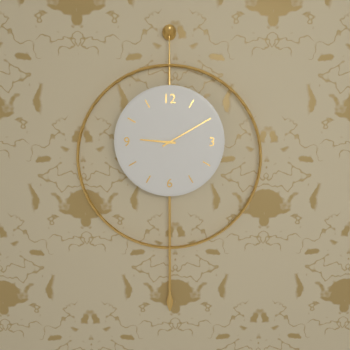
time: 9:10
